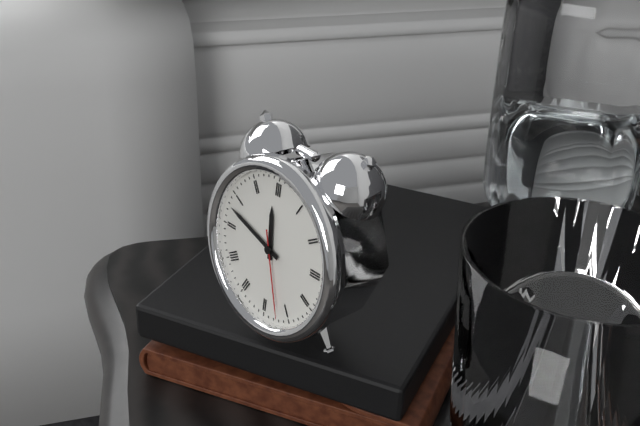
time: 11:48:27
